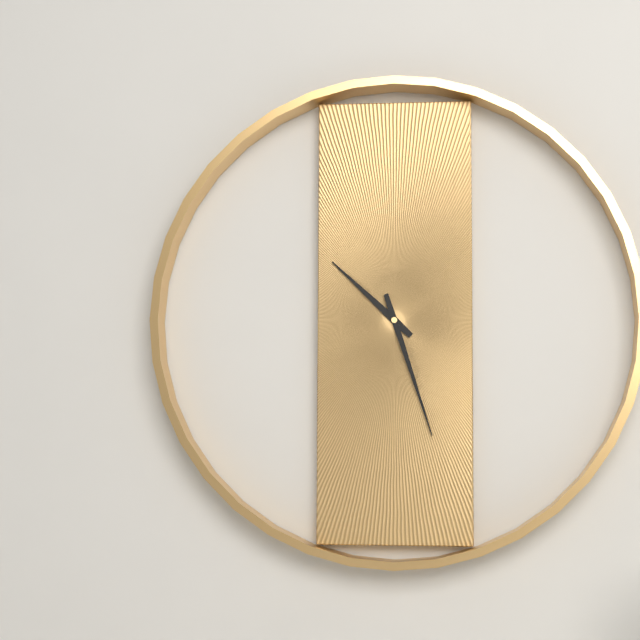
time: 10:27
